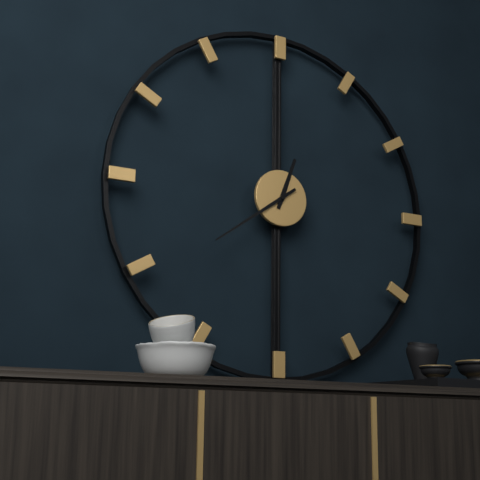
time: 12:39
